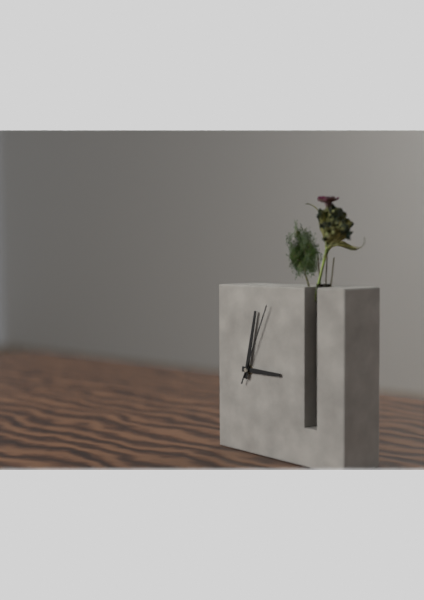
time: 3:02:04
